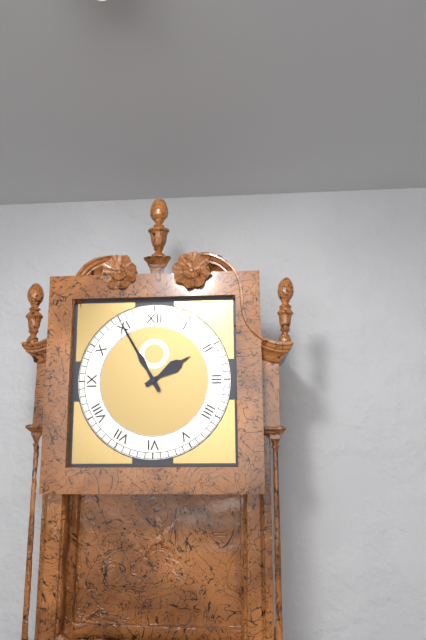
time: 1:55
